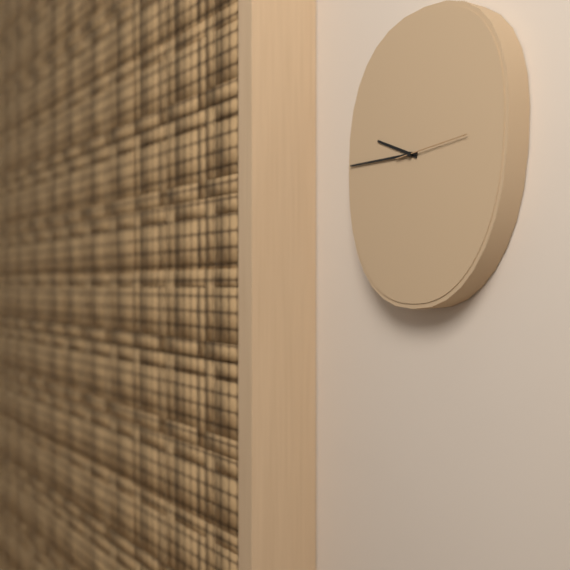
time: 9:45:14
